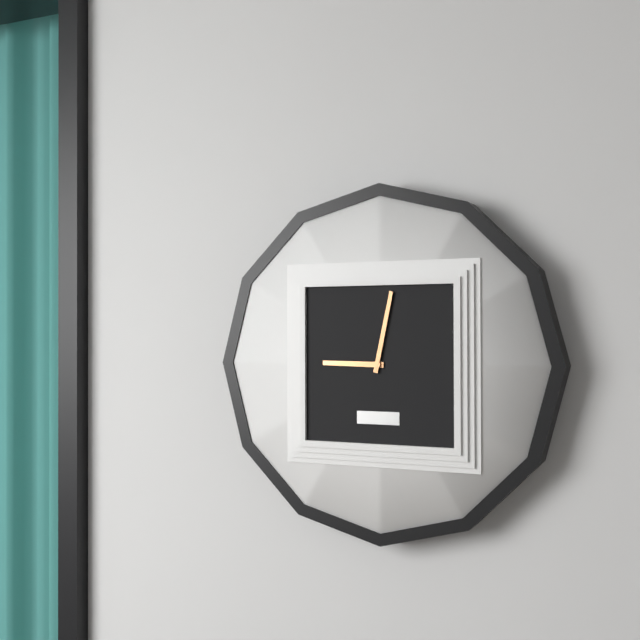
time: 9:02
